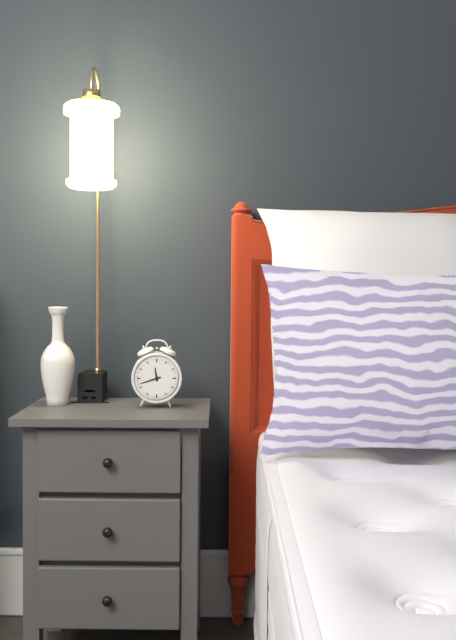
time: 11:42
